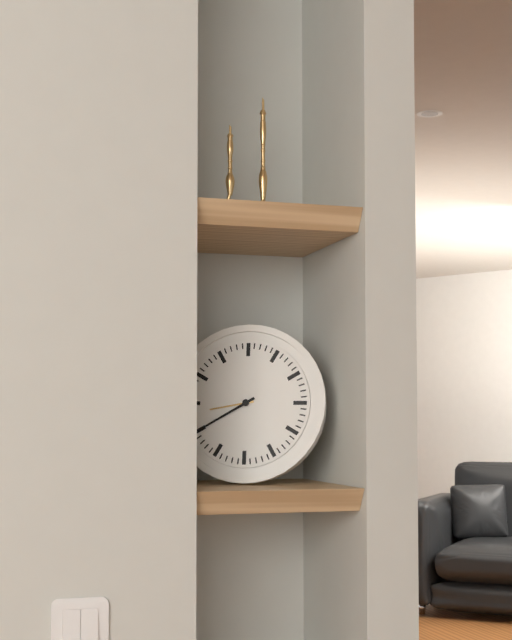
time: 8:40
